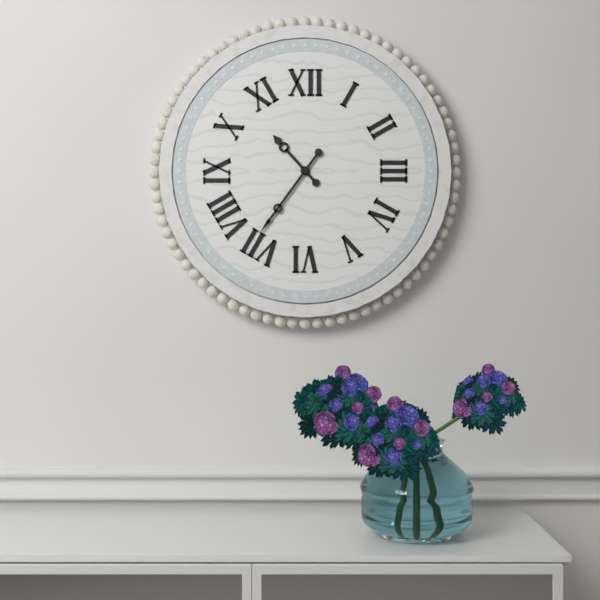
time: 10:36
